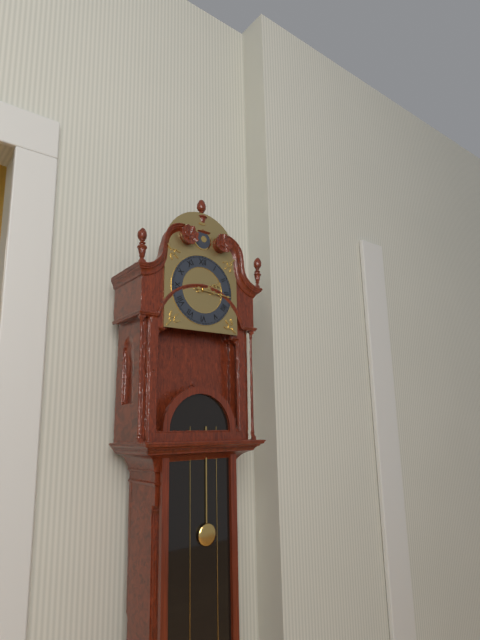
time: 2:16
